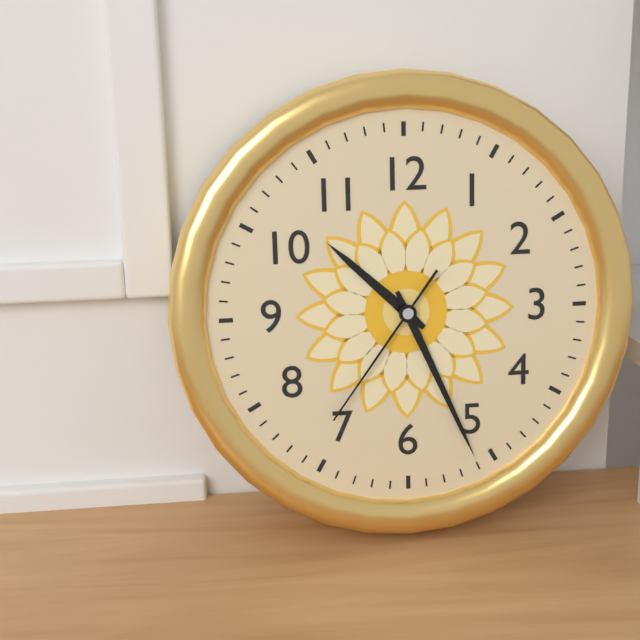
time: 10:26:36
